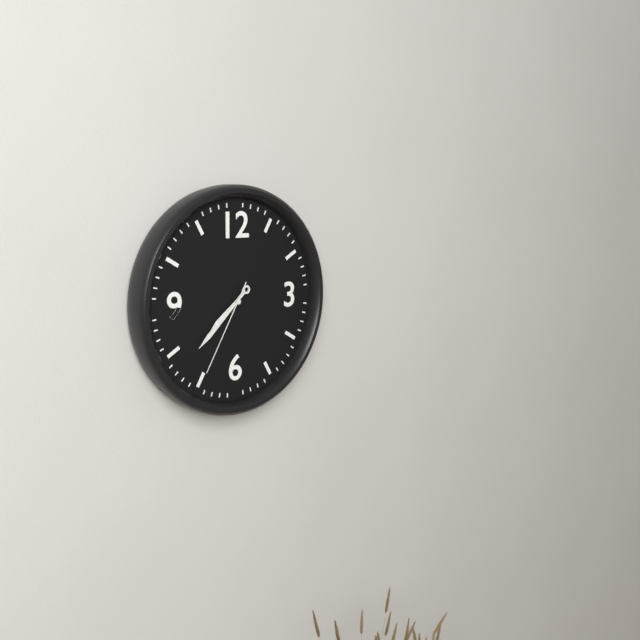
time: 7:38:35
